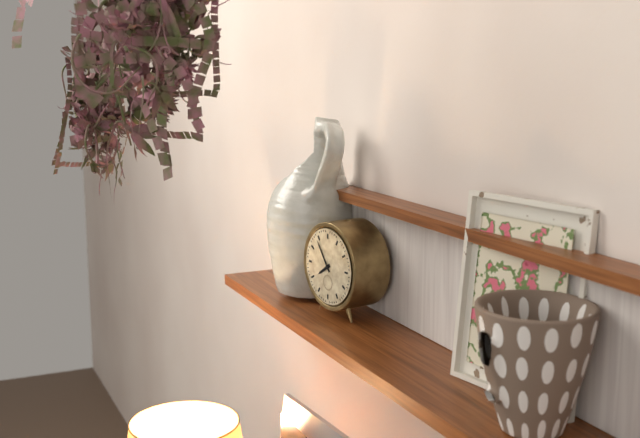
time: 7:54
